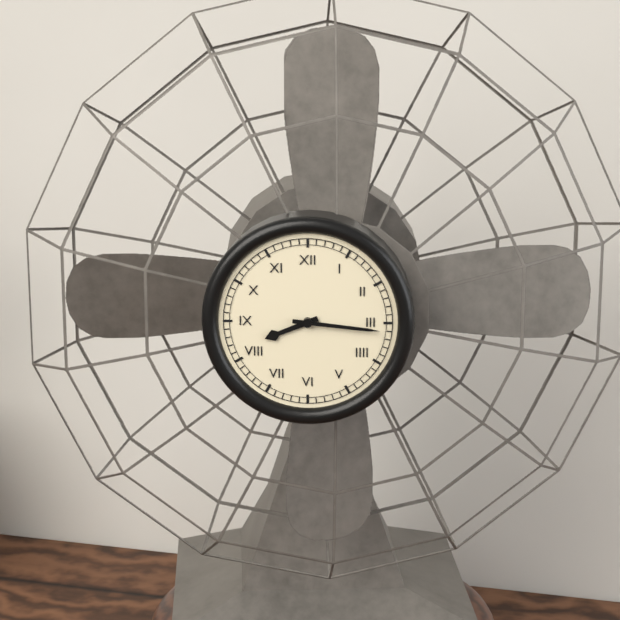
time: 8:16
